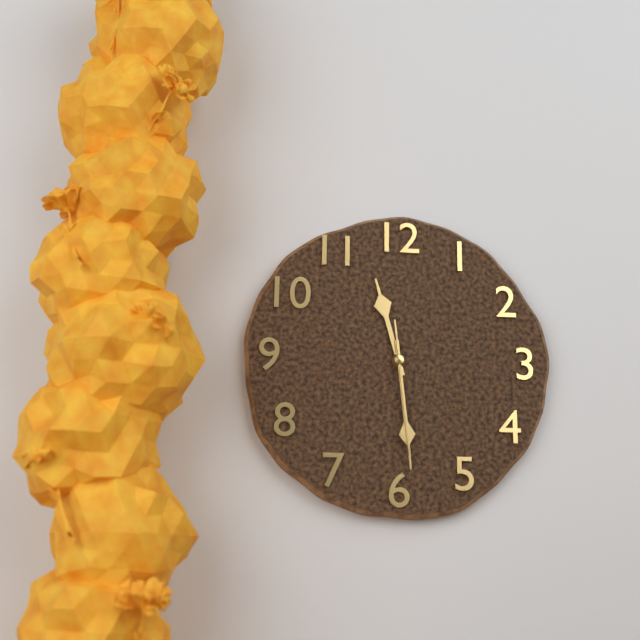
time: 11:29:29
